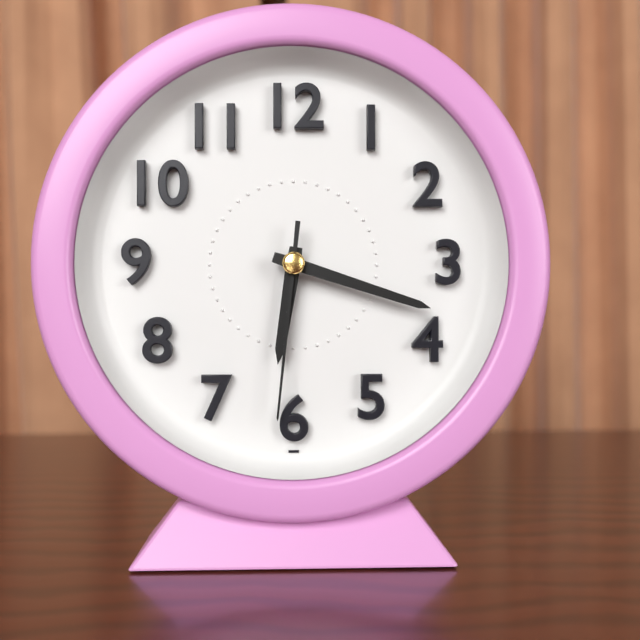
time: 6:18:31
